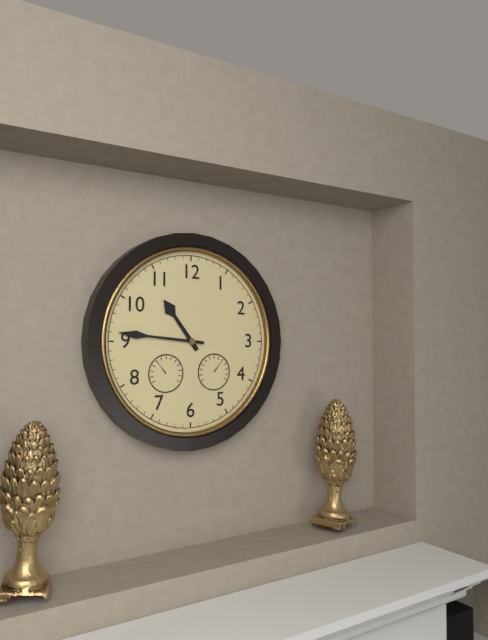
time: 10:46
